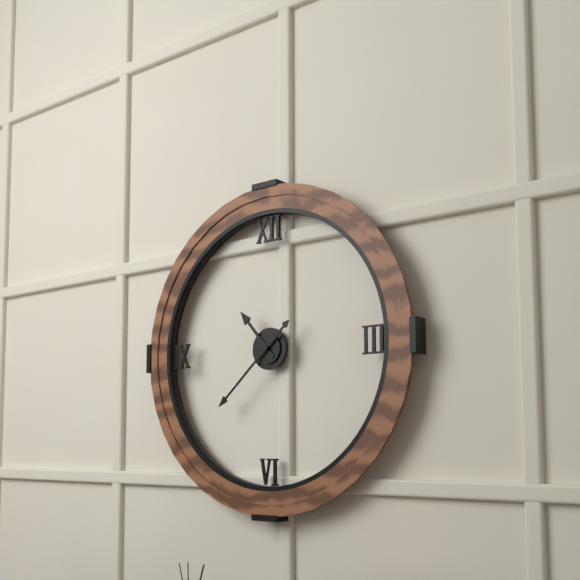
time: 10:38
